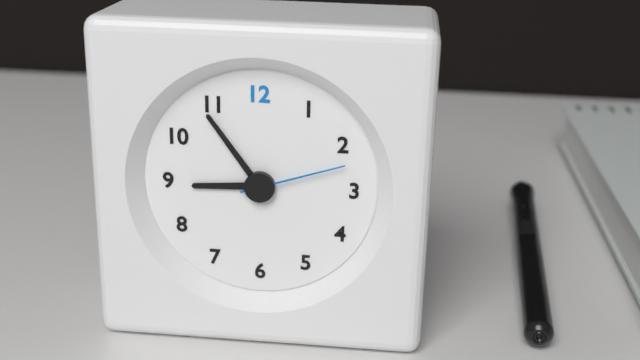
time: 8:54:12
